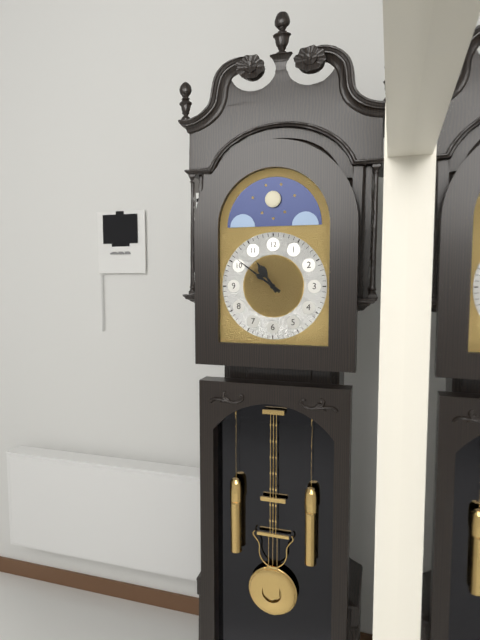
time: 10:51
